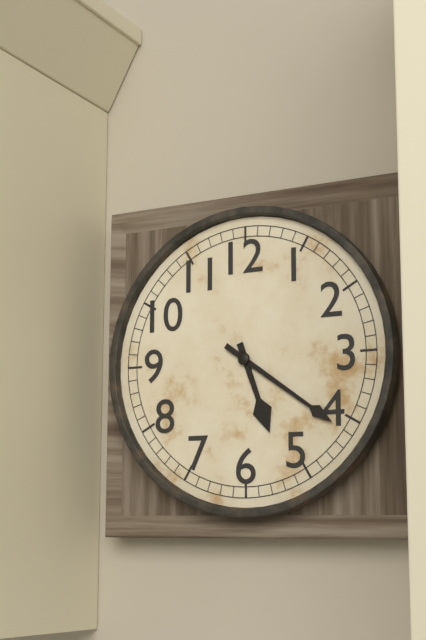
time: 5:21
